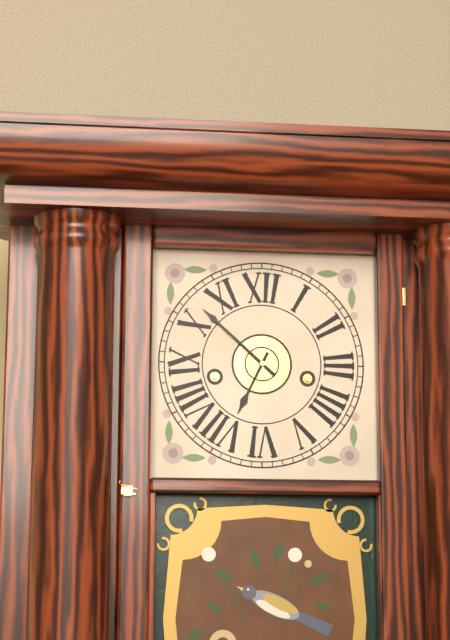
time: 6:52
